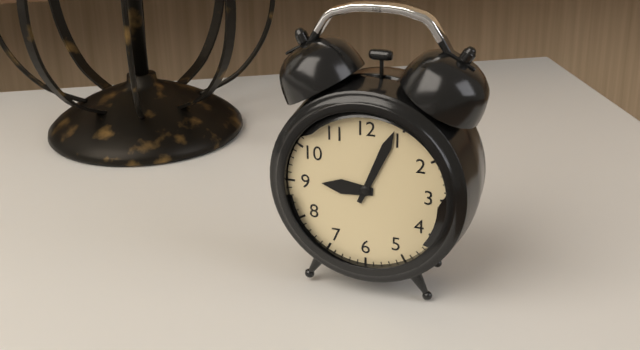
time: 9:04
